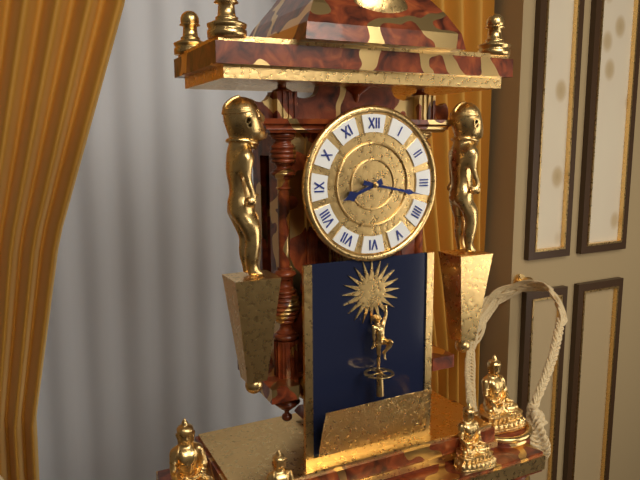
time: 8:17
